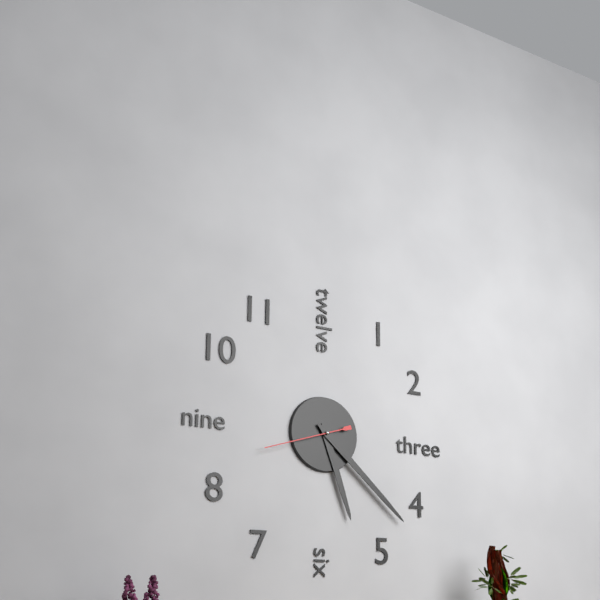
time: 5:22:42
